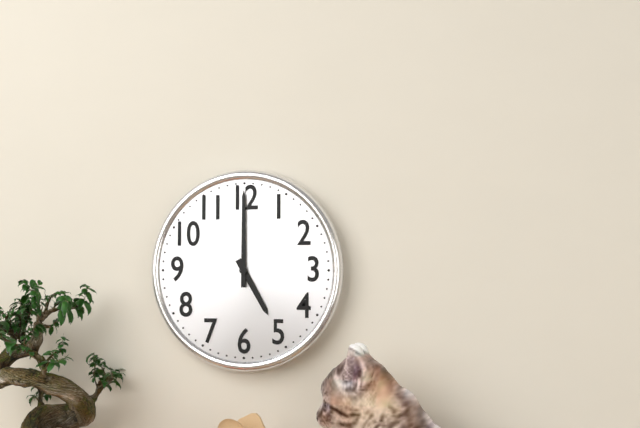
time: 5:00
